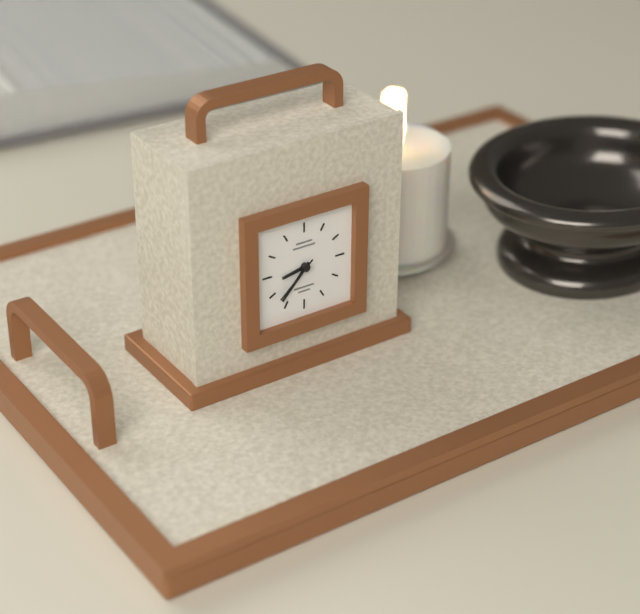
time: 8:37:38
